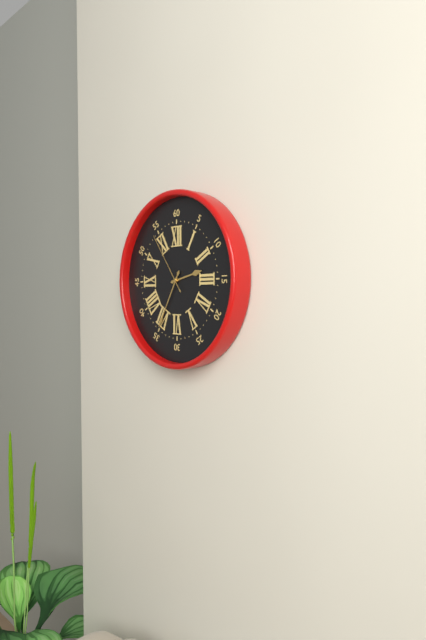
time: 2:35:54
